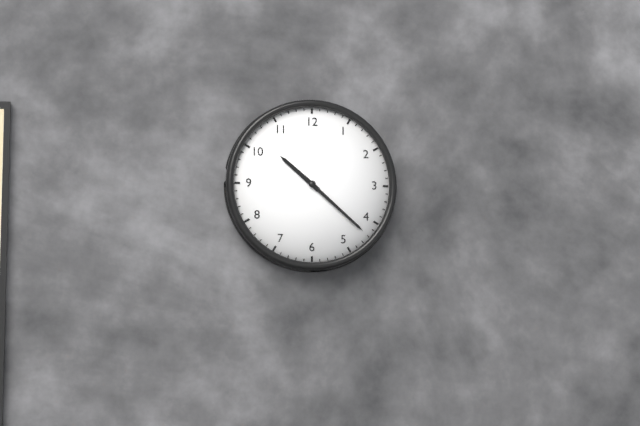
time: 10:22
